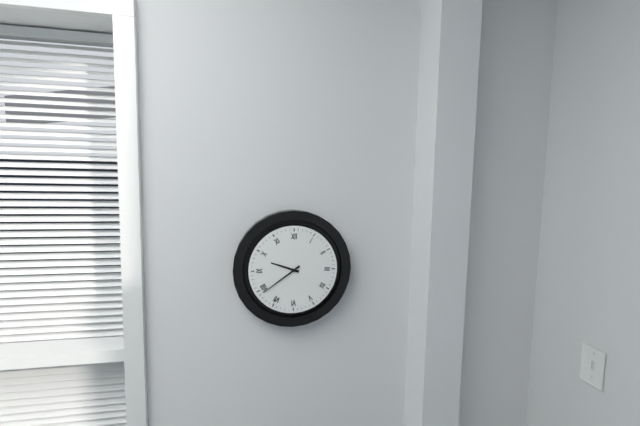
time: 9:39
